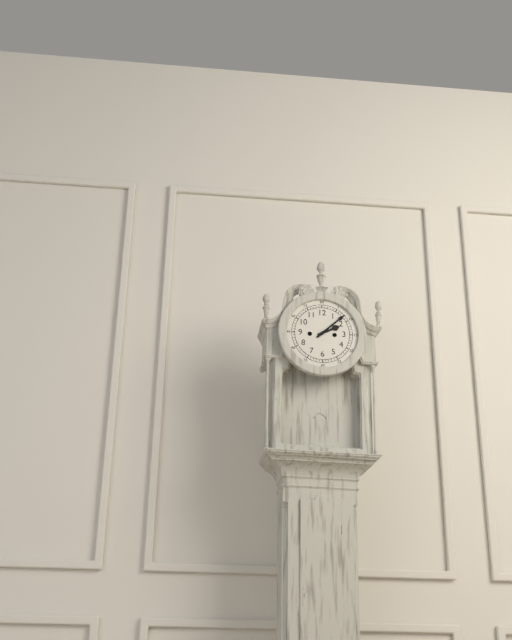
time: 2:08
